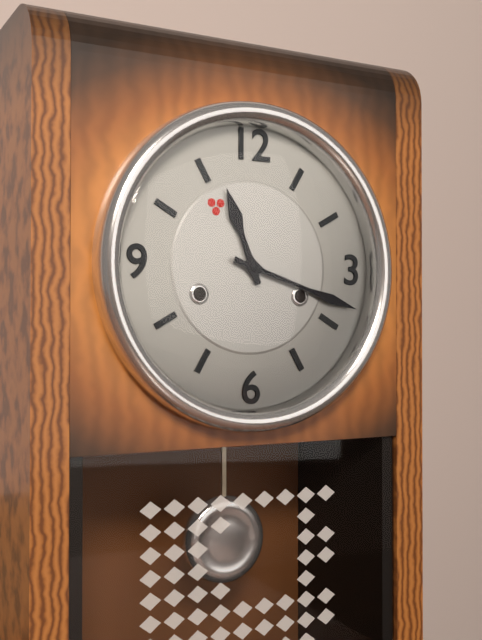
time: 11:18
